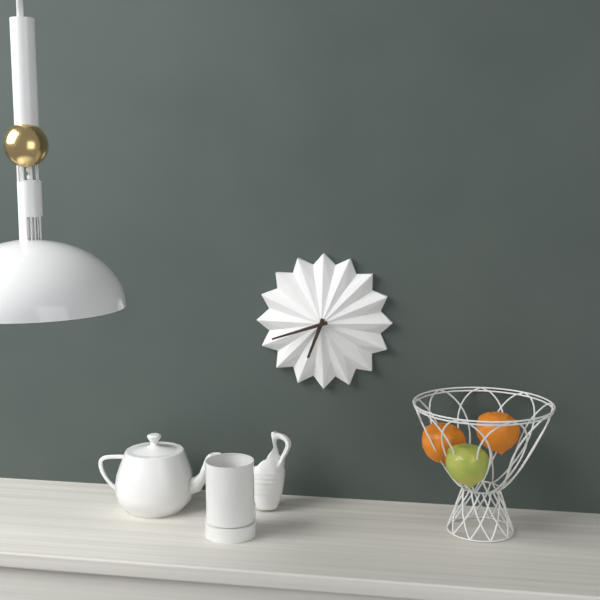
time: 6:42
